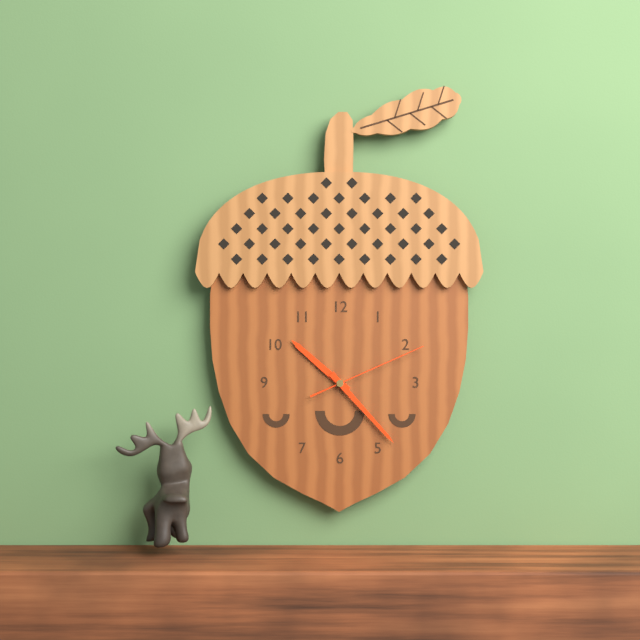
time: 10:23:11
